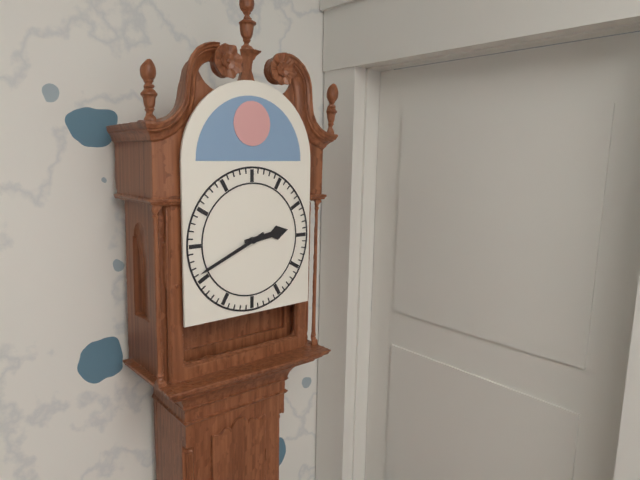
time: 2:41
